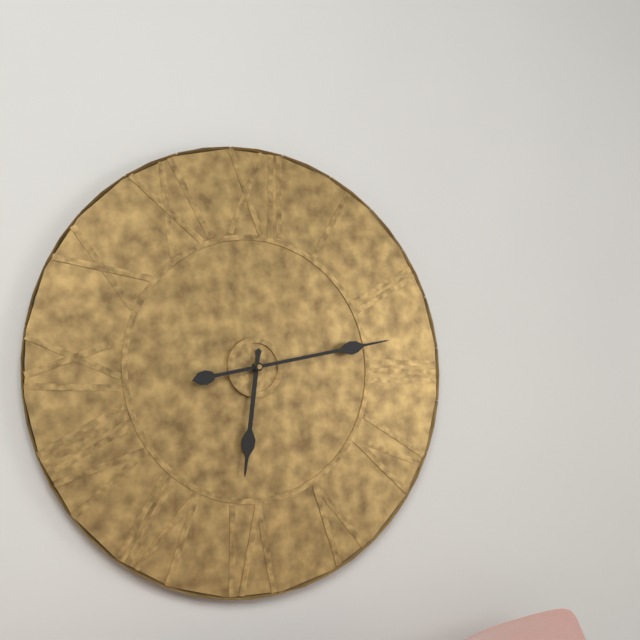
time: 6:13
